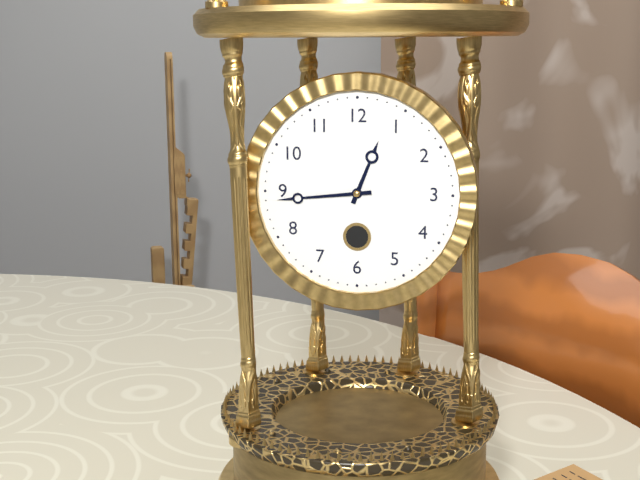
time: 12:44
